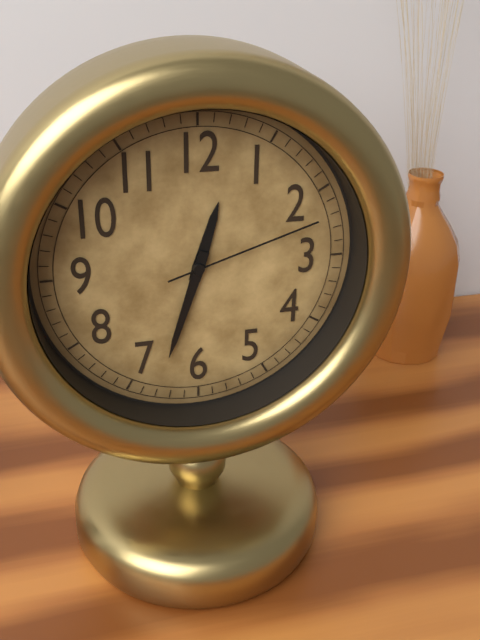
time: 12:33:12
